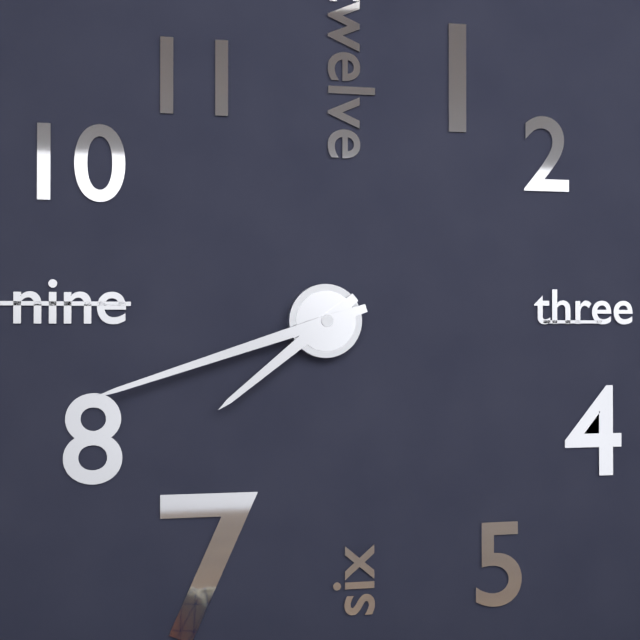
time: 7:42
